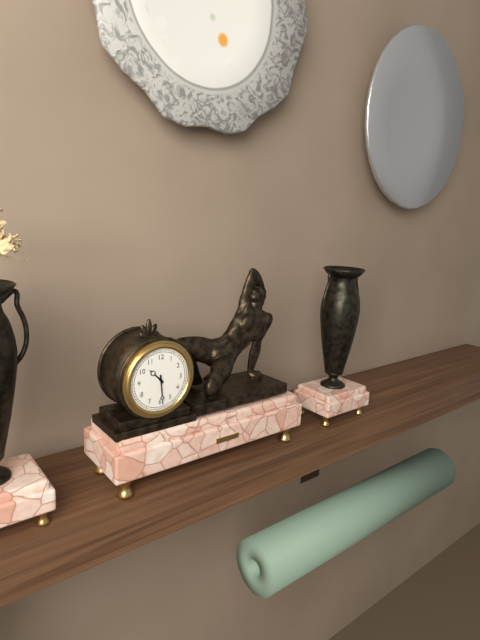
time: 10:29
